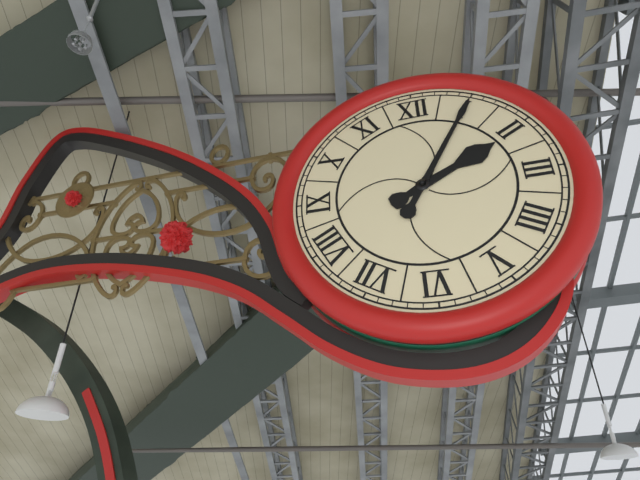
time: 2:05
